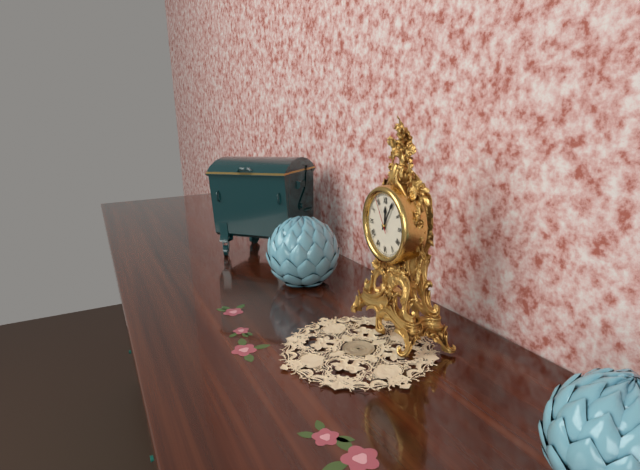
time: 12:05
